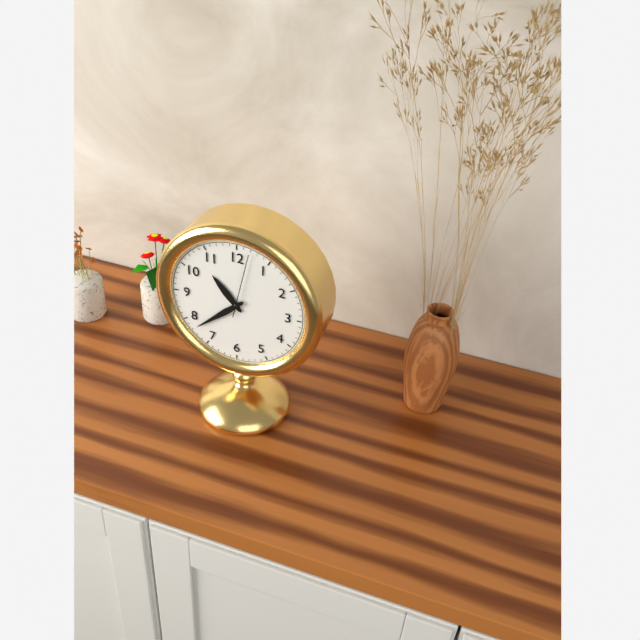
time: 10:38:02
